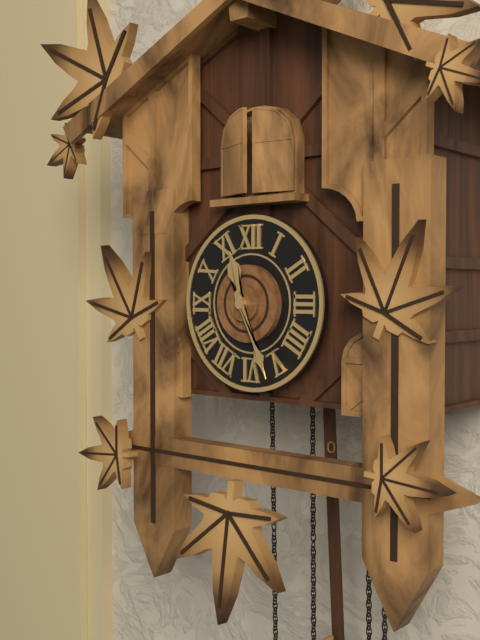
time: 11:26
